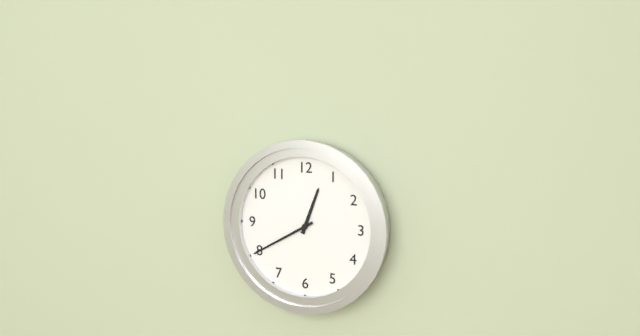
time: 12:40
